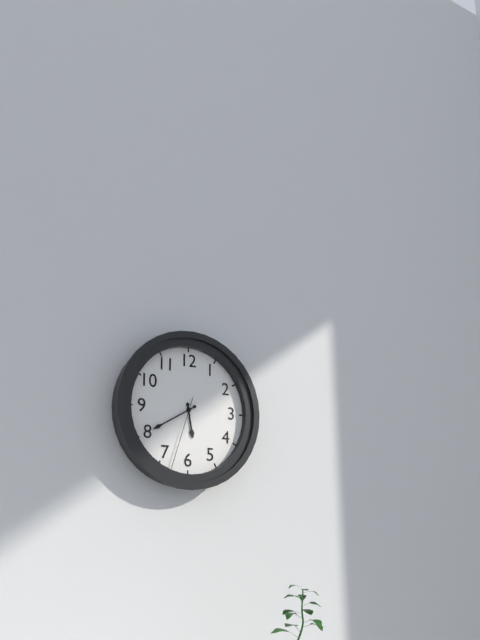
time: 5:40:33
